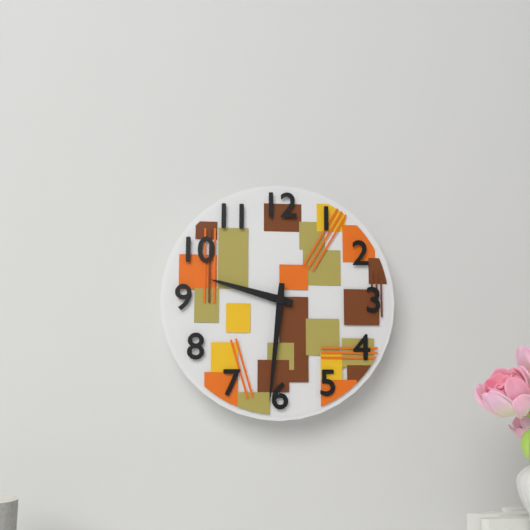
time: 9:31
